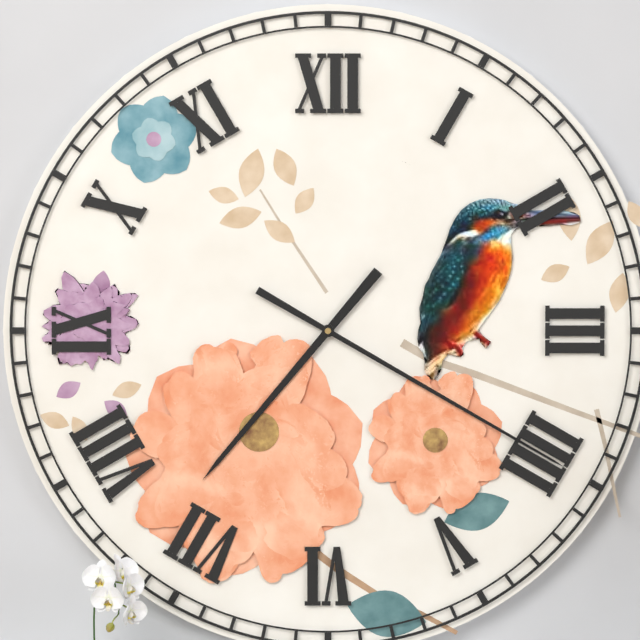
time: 7:20
